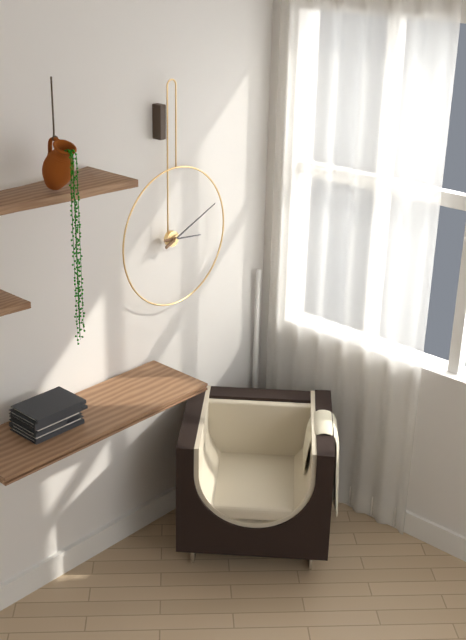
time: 3:11
